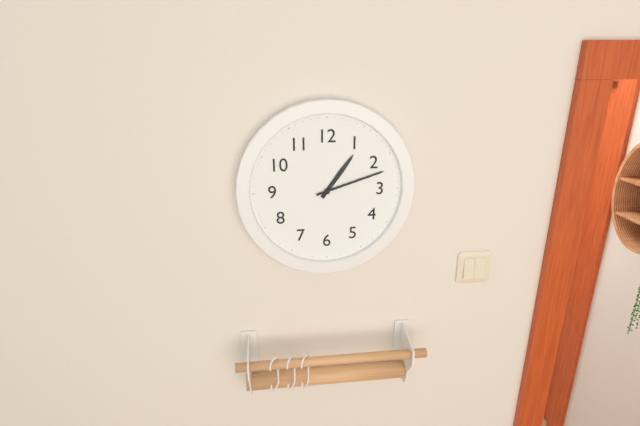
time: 1:12
